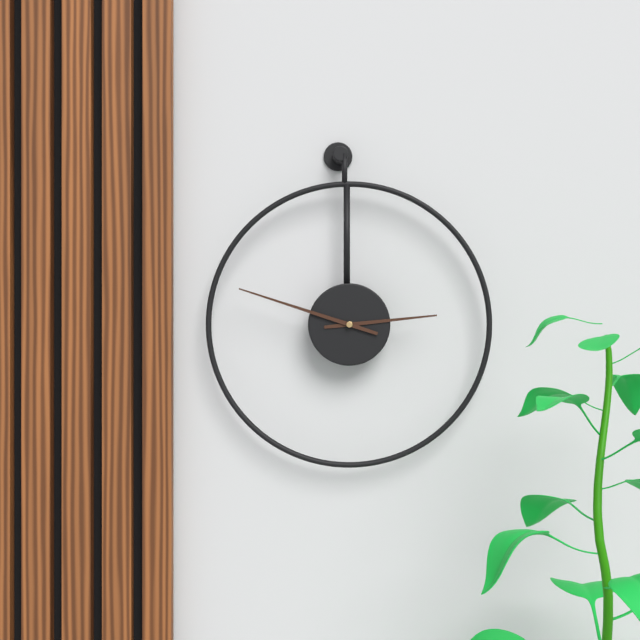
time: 2:48
